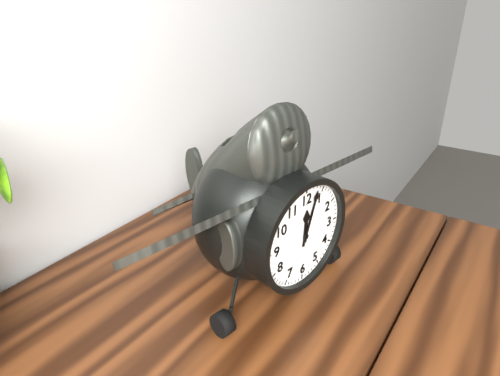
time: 12:03
